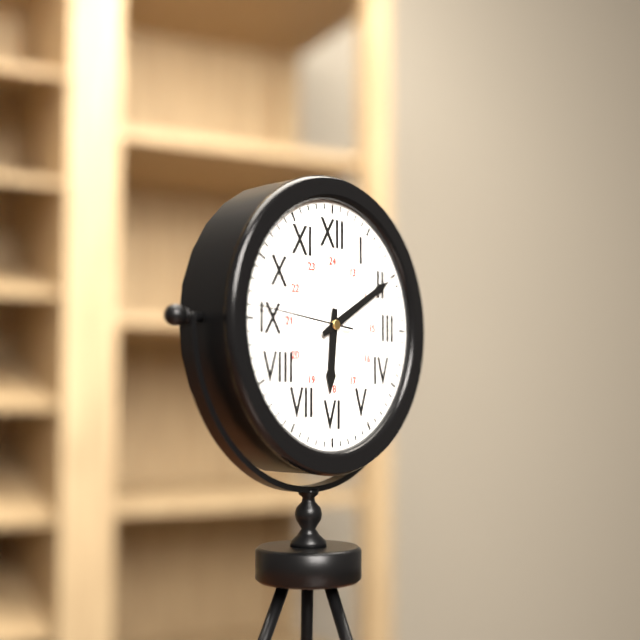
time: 6:10:46
